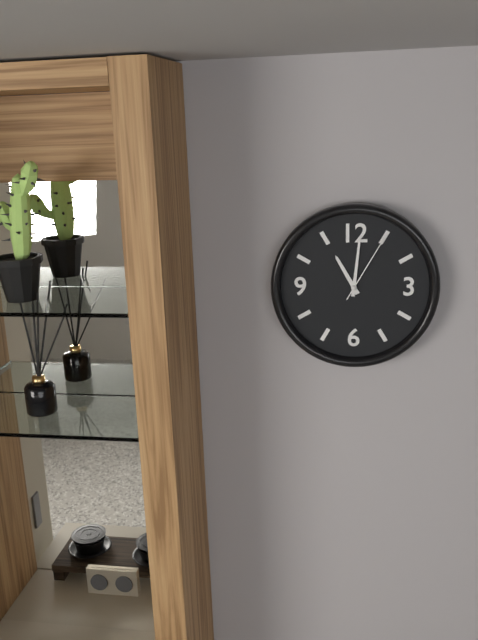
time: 11:01:05
